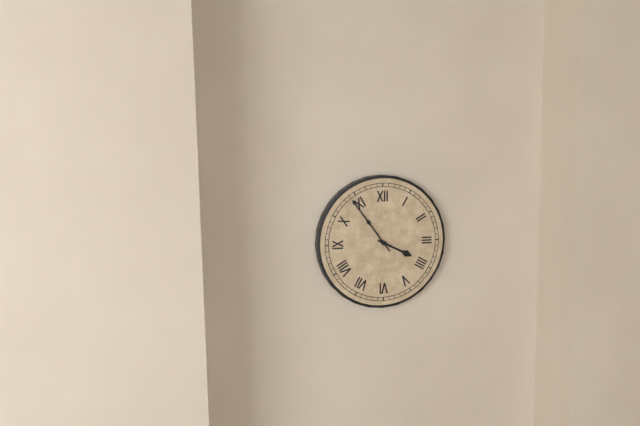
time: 3:54
